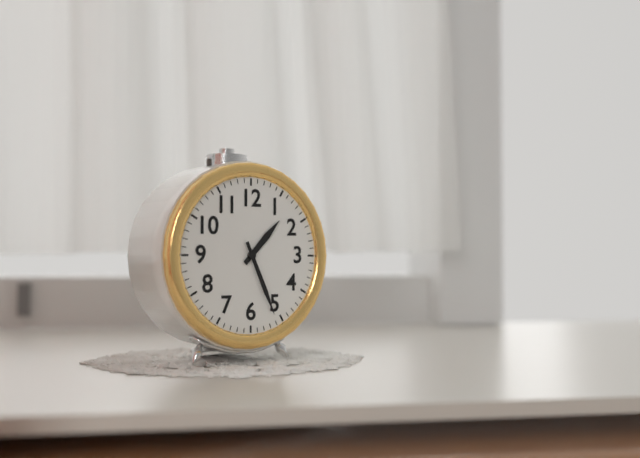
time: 1:26
